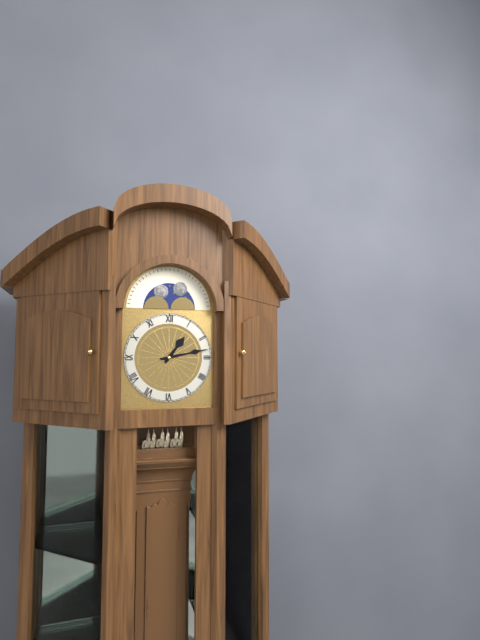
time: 1:13
